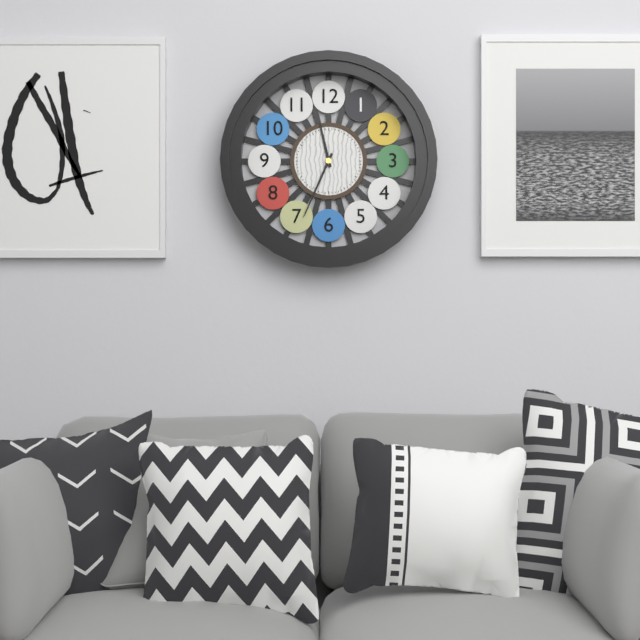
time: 11:34
